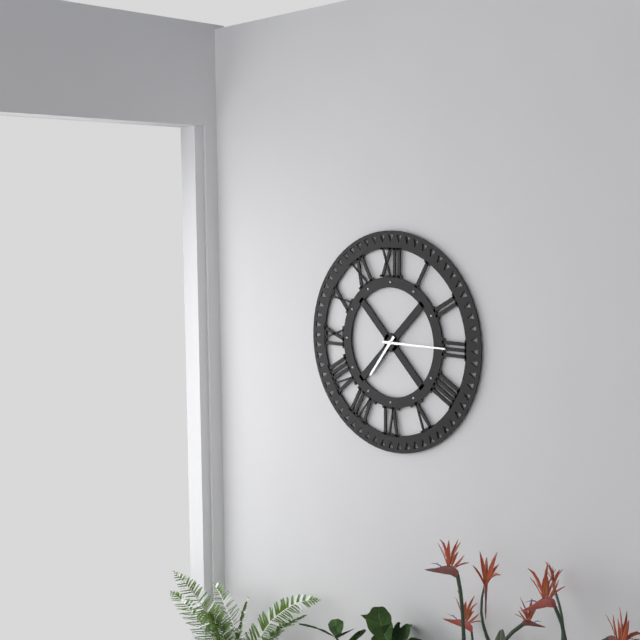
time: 7:15
